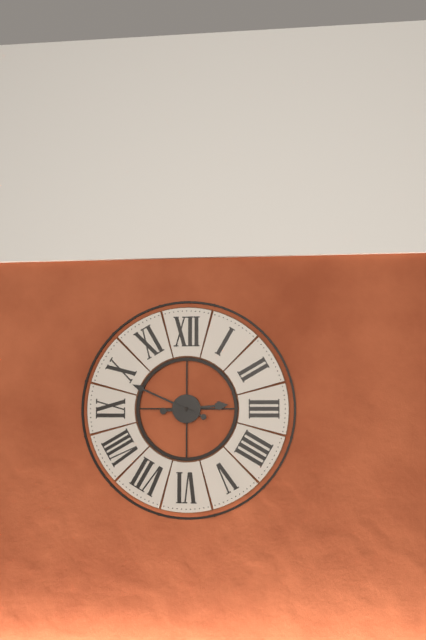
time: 2:49
